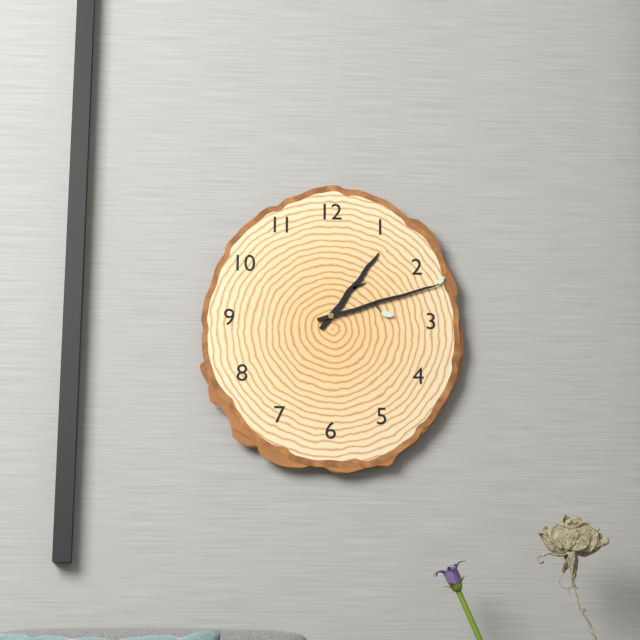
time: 1:12
